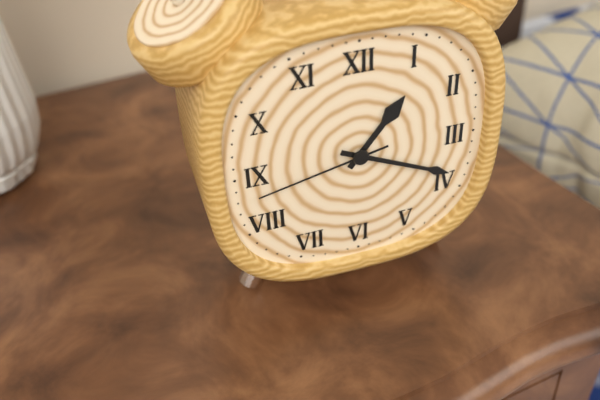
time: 1:19:43
